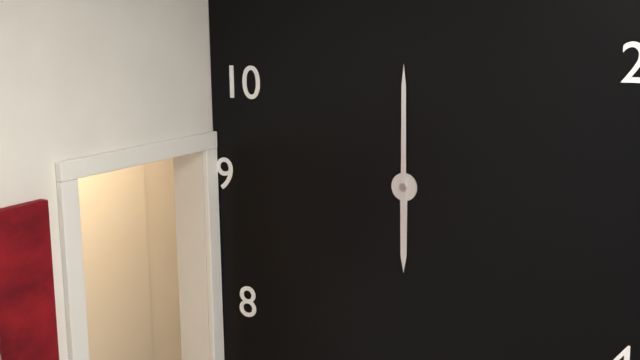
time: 6:00
